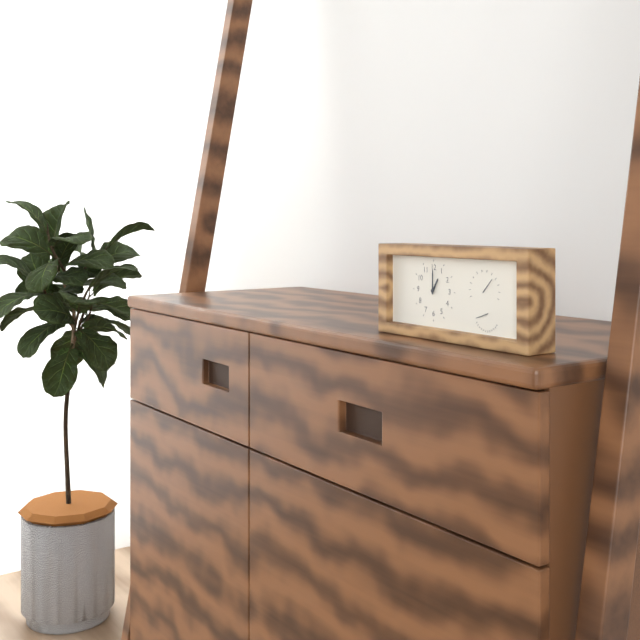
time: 1:00
